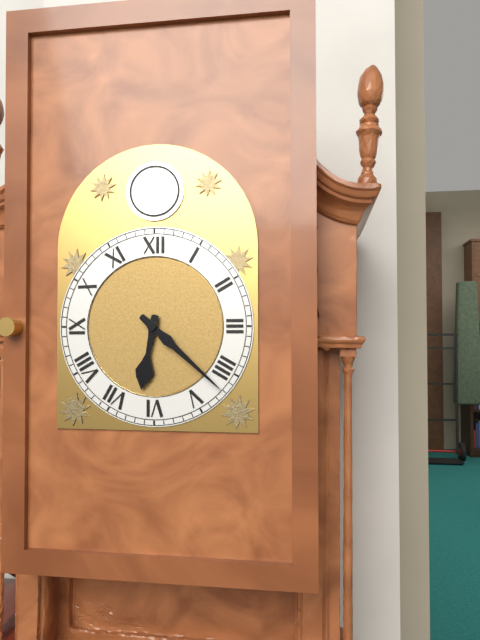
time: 6:22
